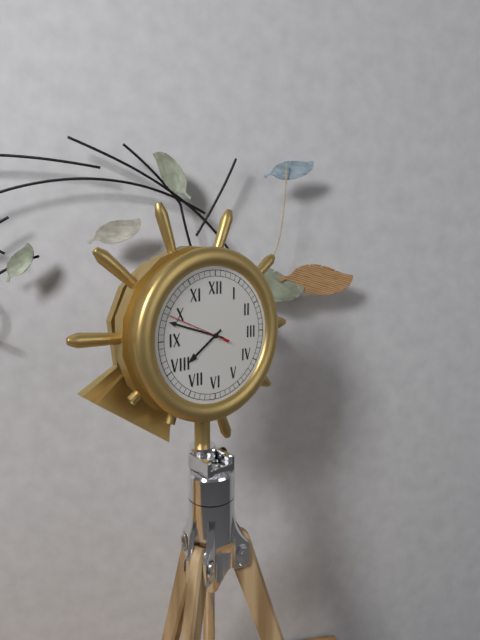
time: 7:48:49
